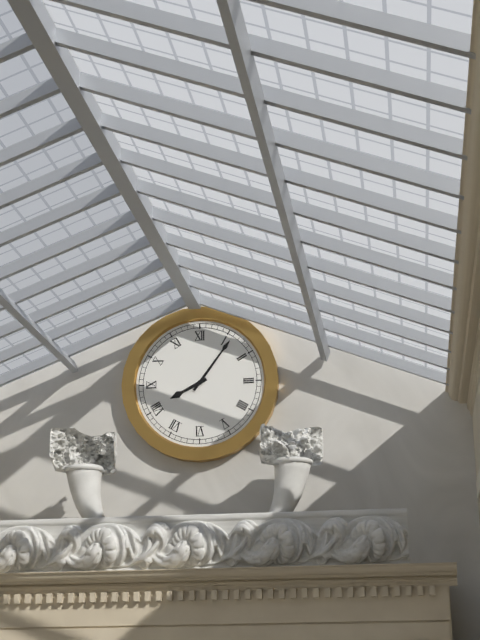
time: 8:06
